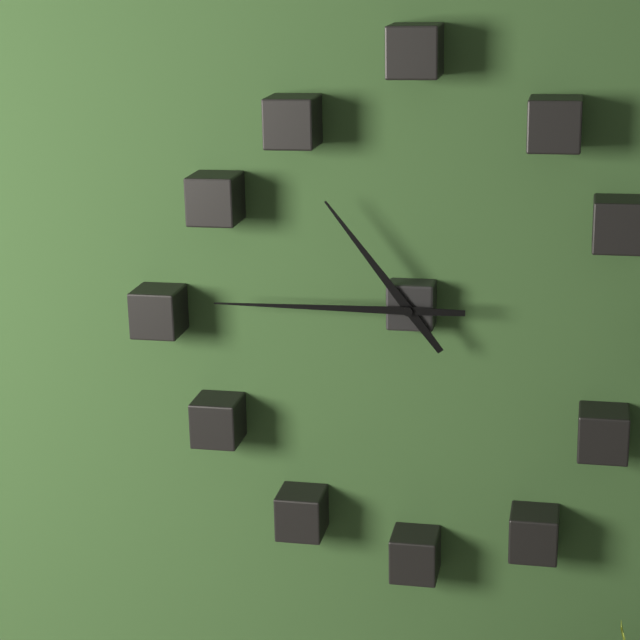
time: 10:45
